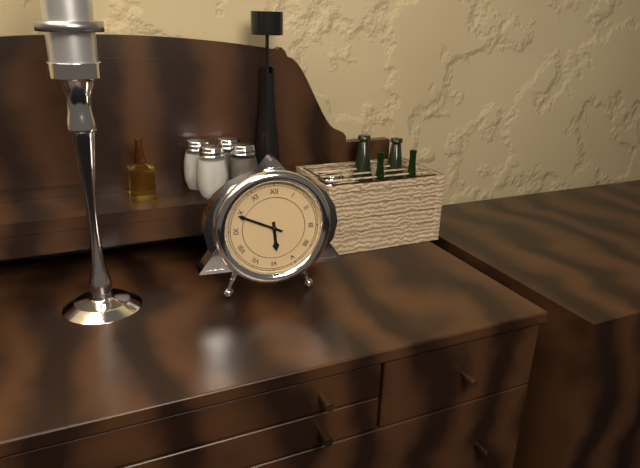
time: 5:49
